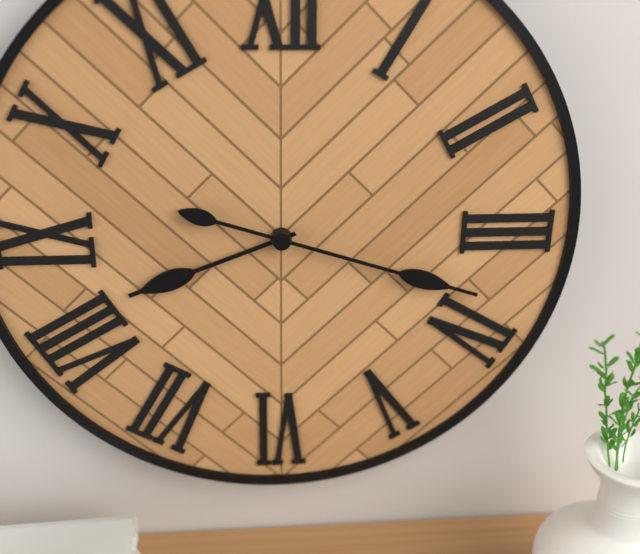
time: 8:18
